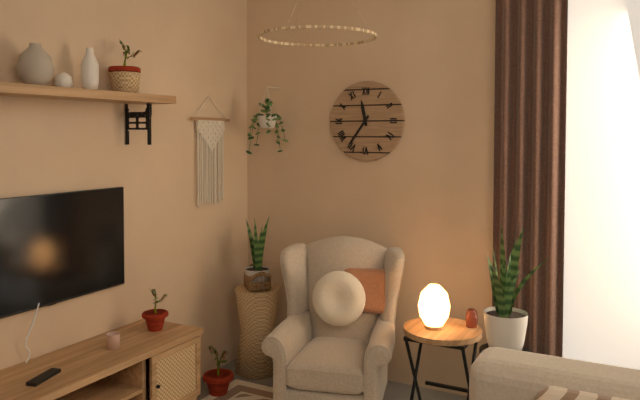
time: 11:36
